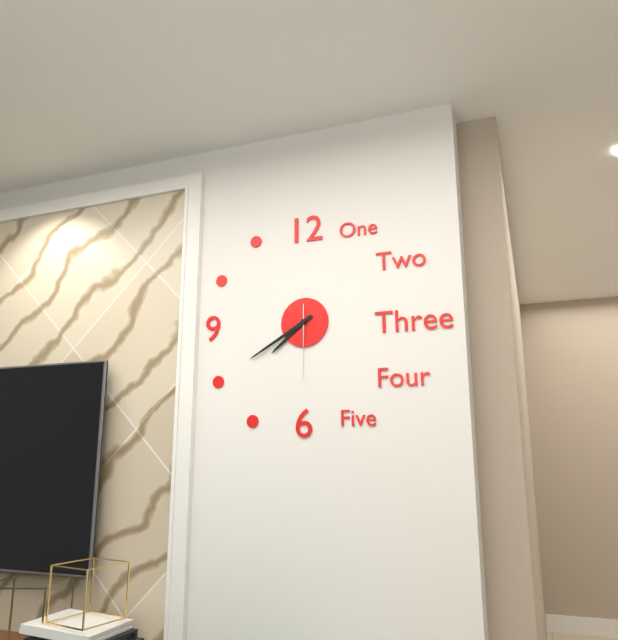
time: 7:40:30
